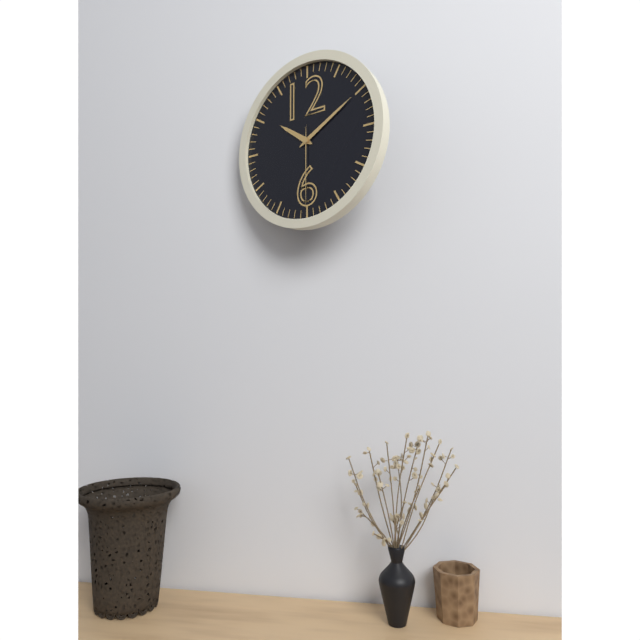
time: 10:10:30
